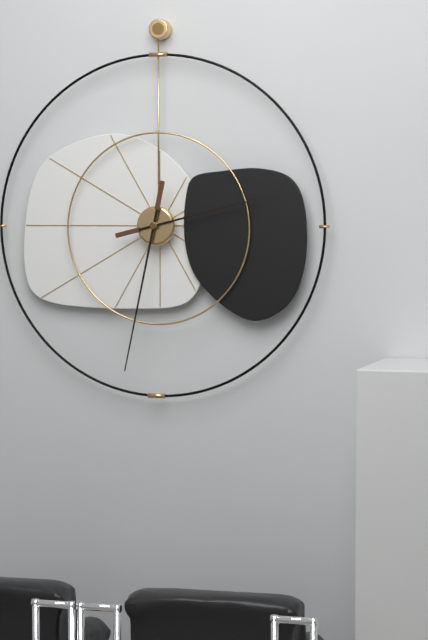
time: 2:32
